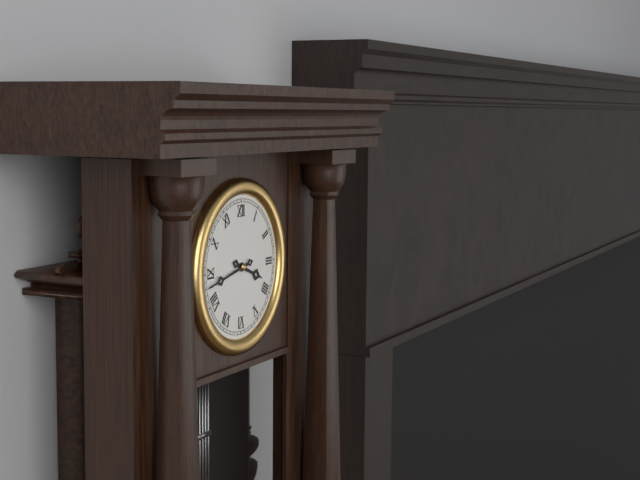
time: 3:43
